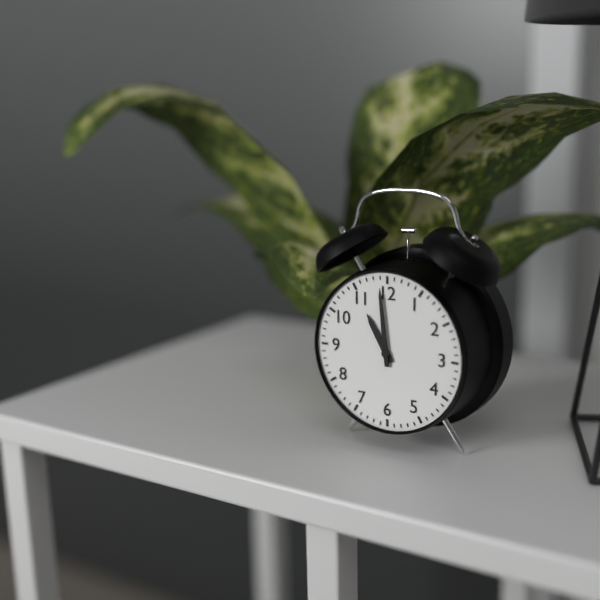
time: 10:59
